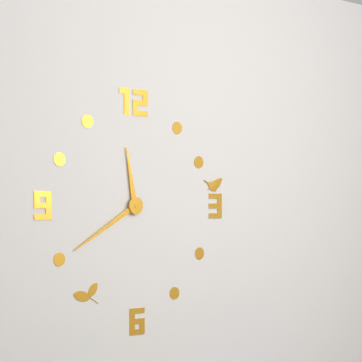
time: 11:40
